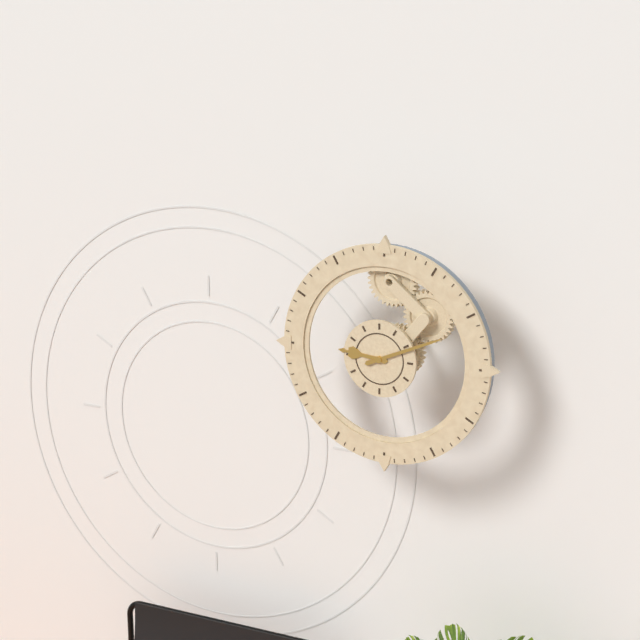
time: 9:11
